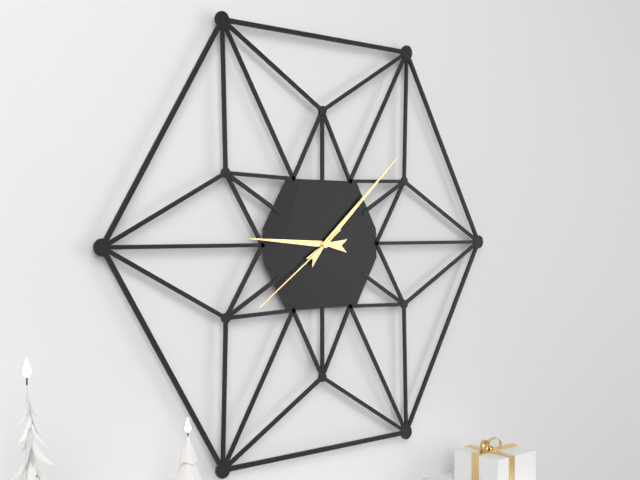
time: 9:08:39
